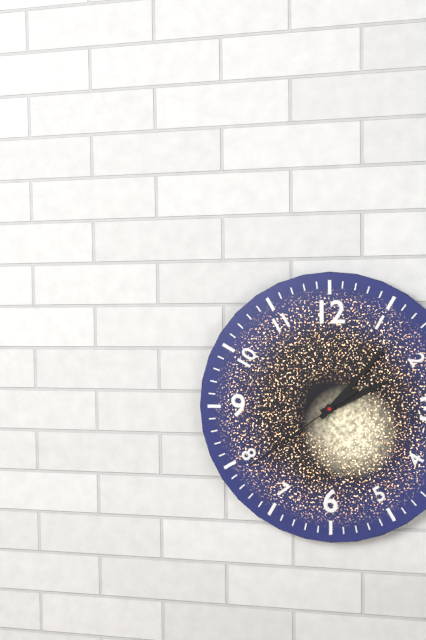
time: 2:07:39
